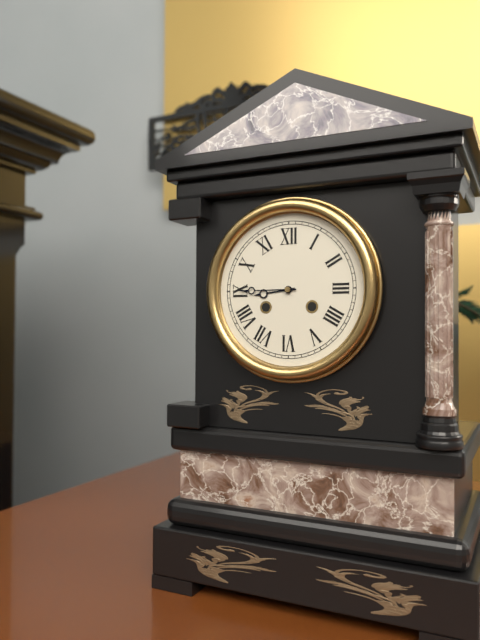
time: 8:45
